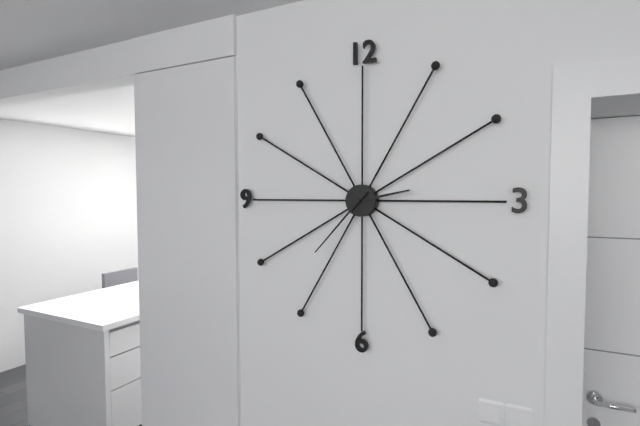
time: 2:37
